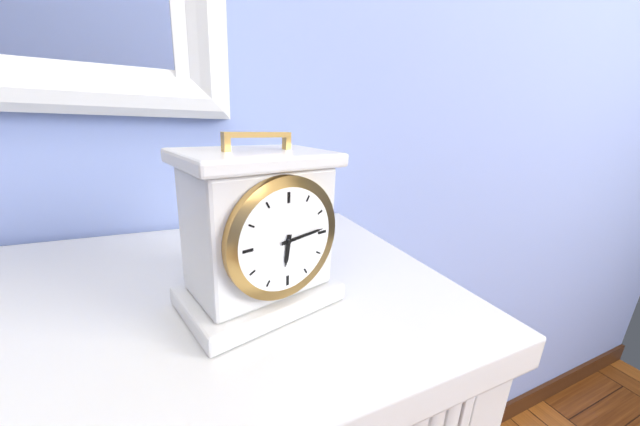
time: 6:14
